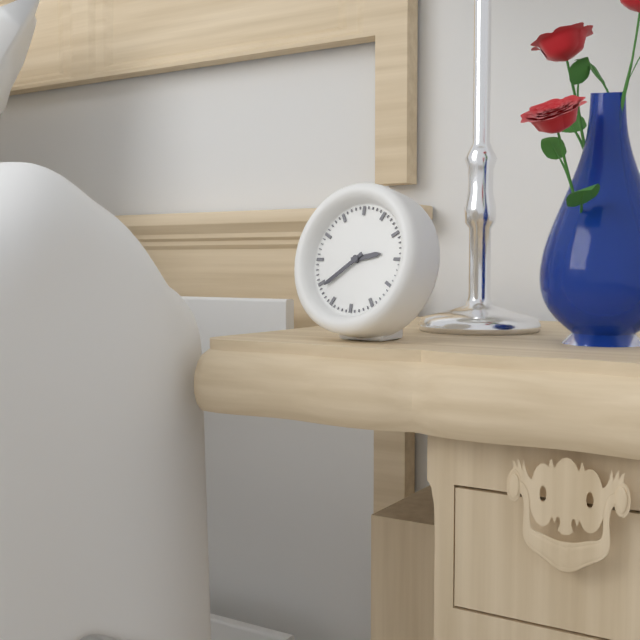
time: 2:39
